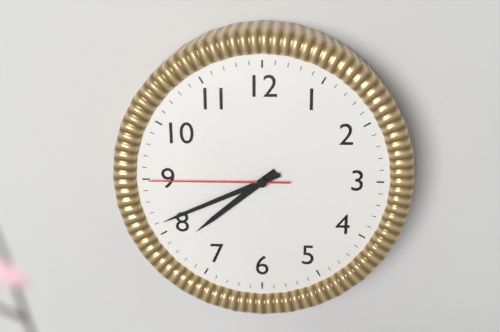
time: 7:41:45
